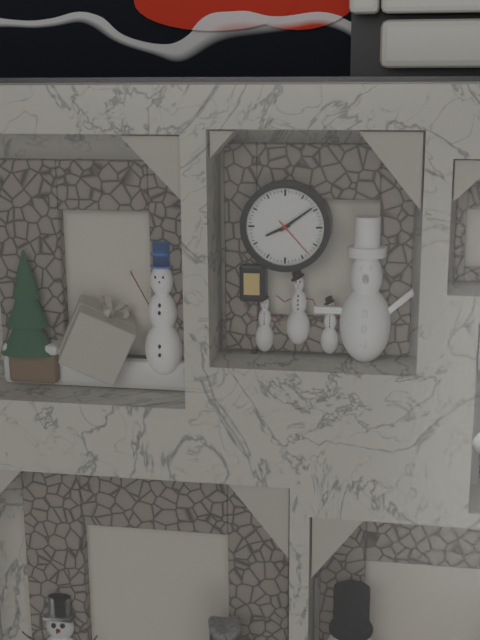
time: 8:09
